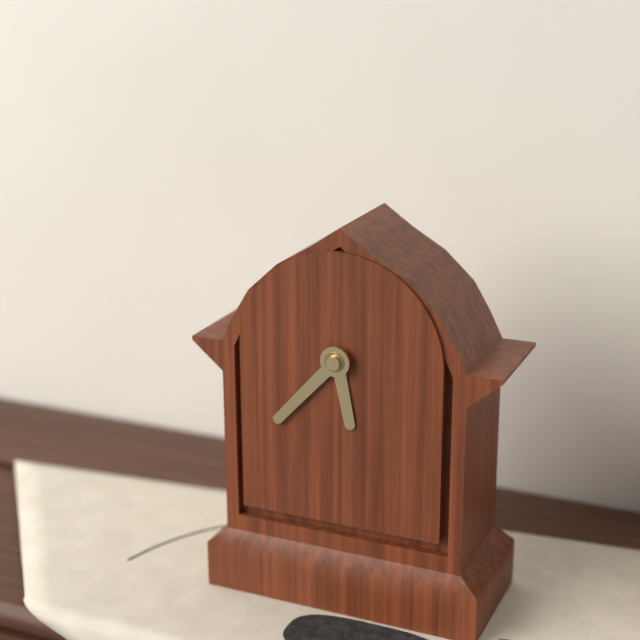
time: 5:37
